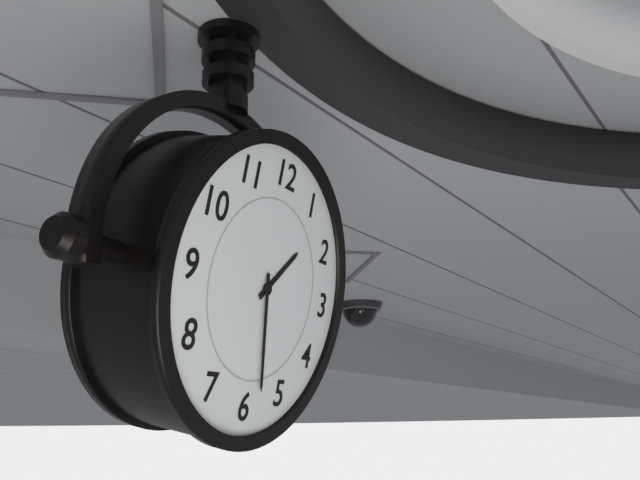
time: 1:28
